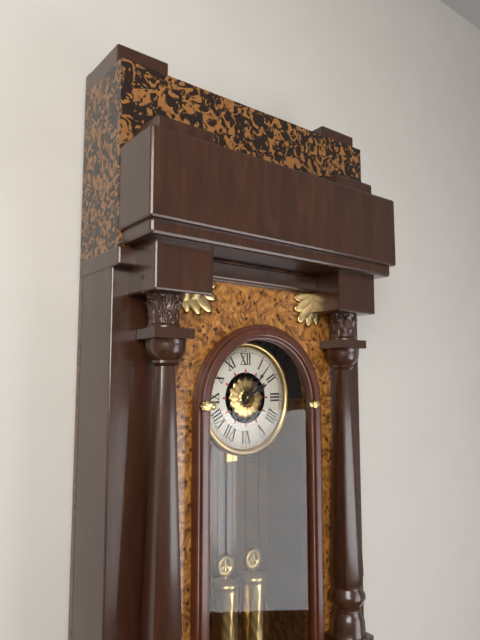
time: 2:07
